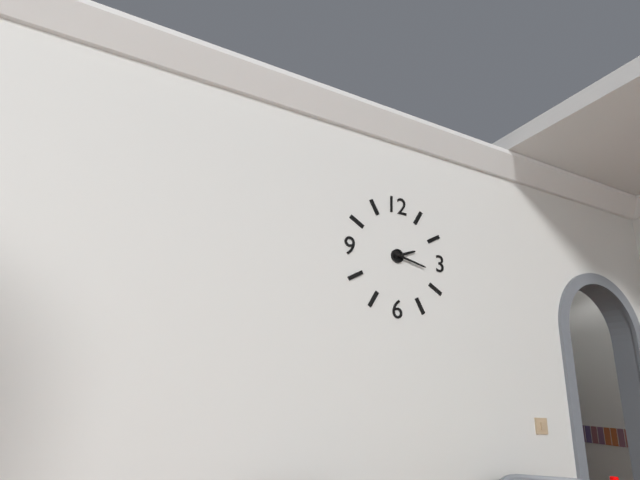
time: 2:17
